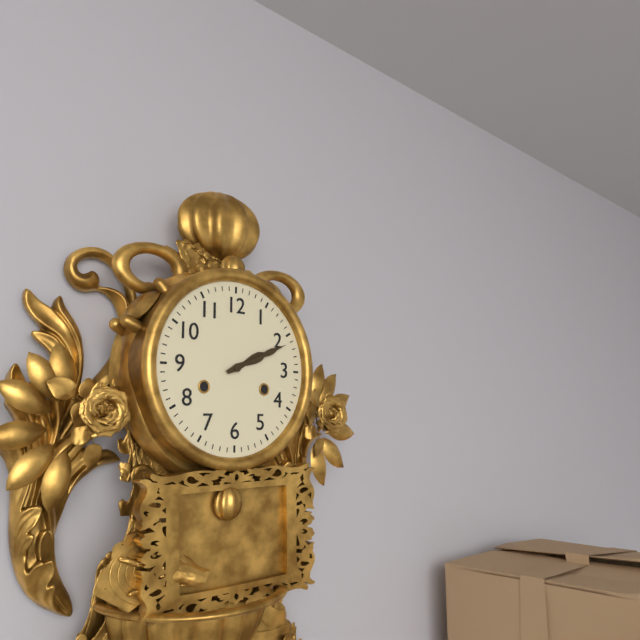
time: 2:11
